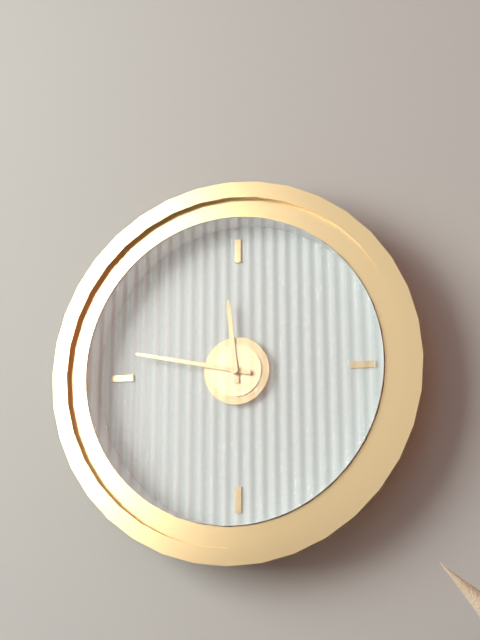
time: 11:47
